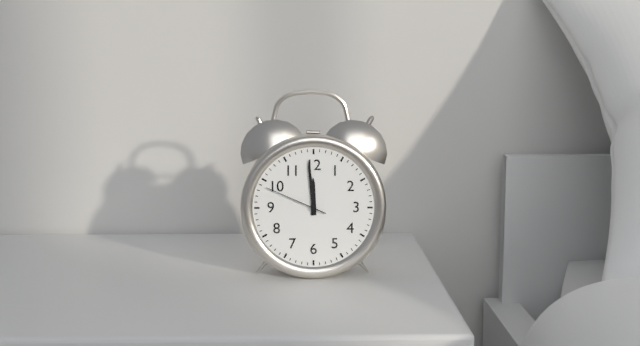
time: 11:59:49
